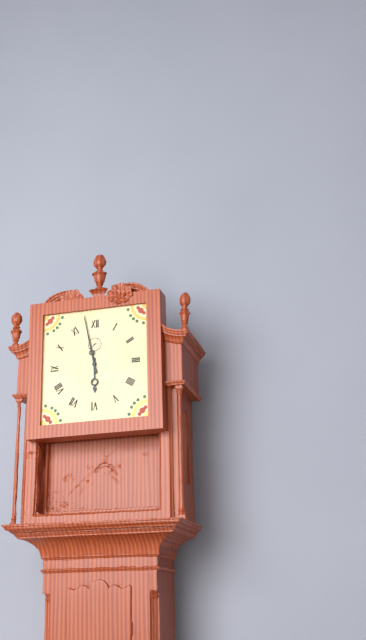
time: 5:58
